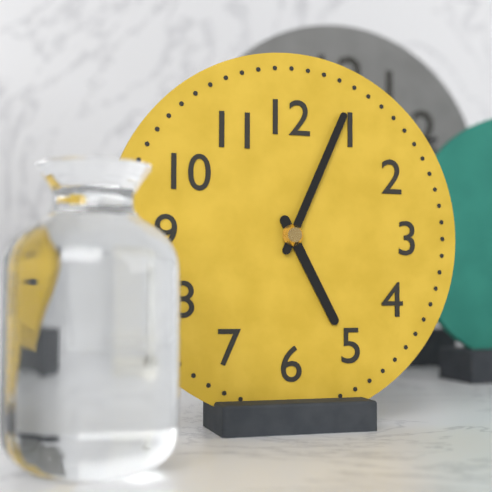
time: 5:04
